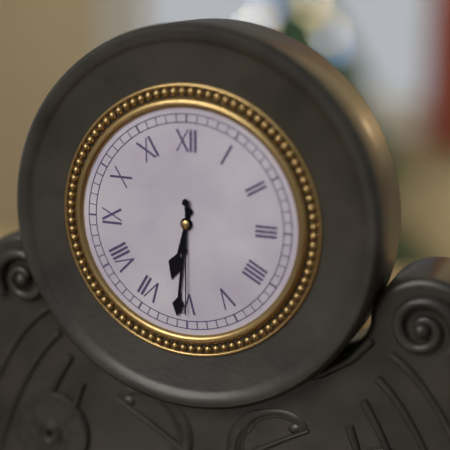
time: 6:31:30
